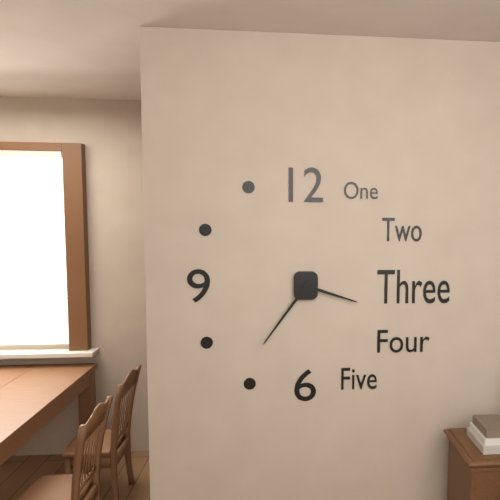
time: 3:36
